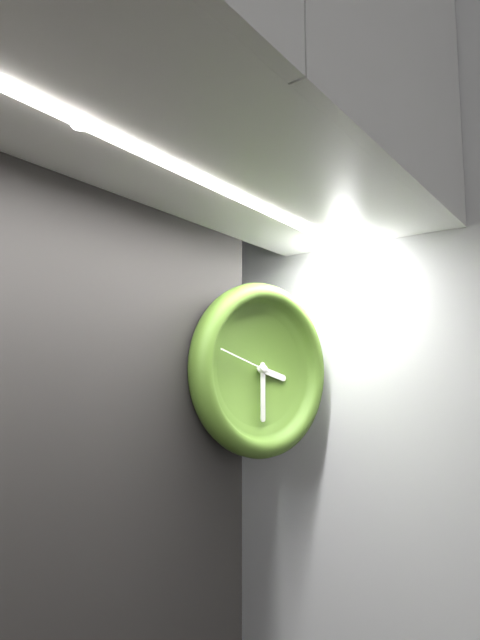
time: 3:30
